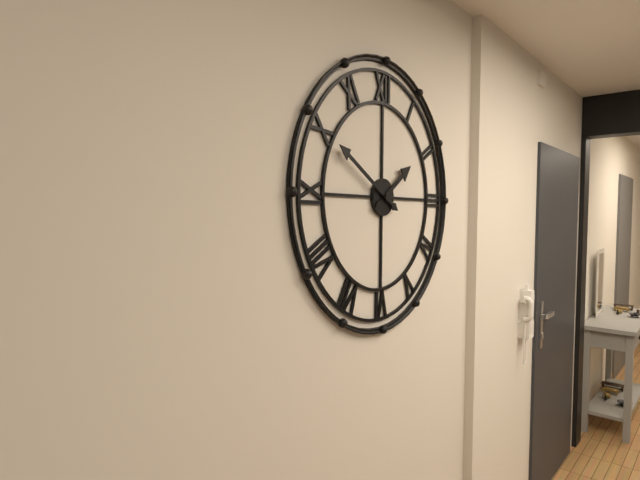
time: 1:50
